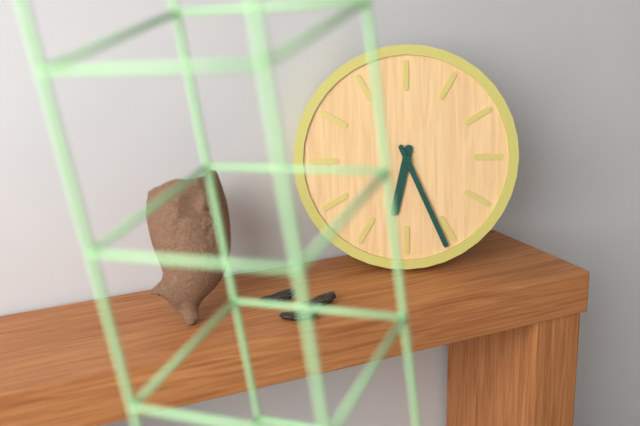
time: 6:26
